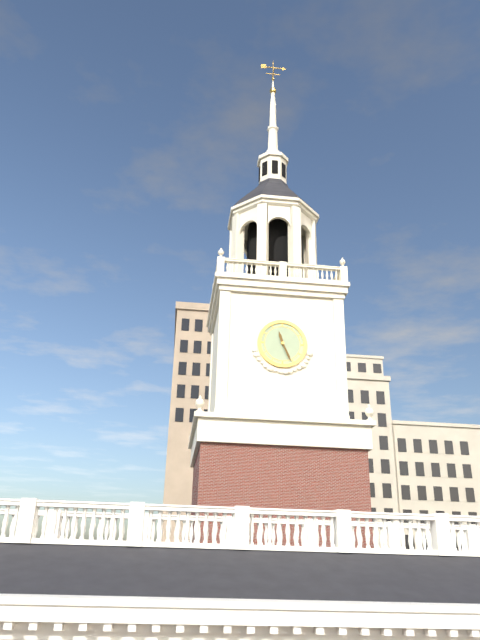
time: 11:26
